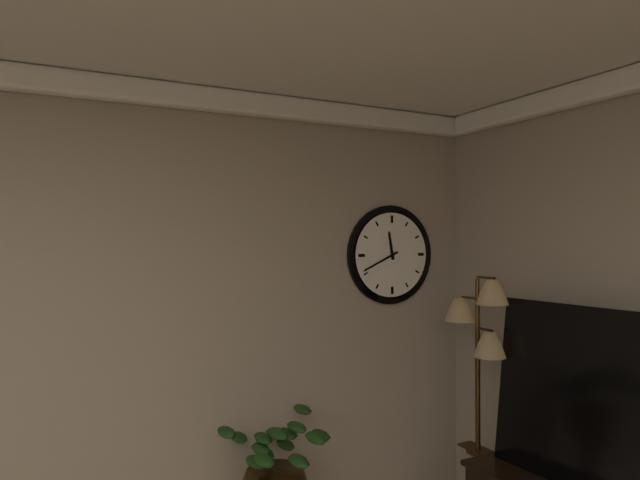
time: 11:41
